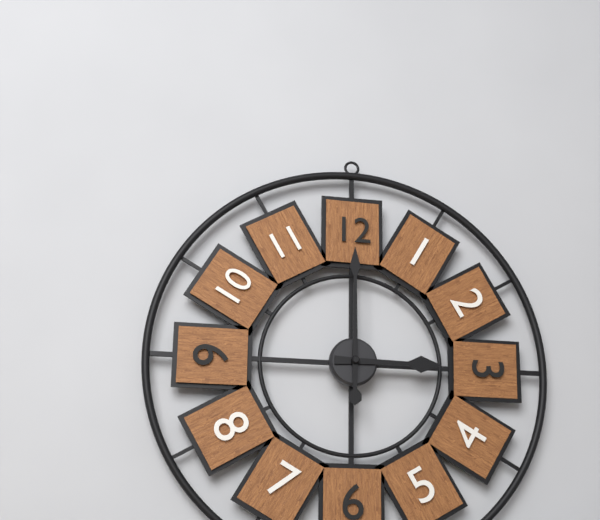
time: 3:00
